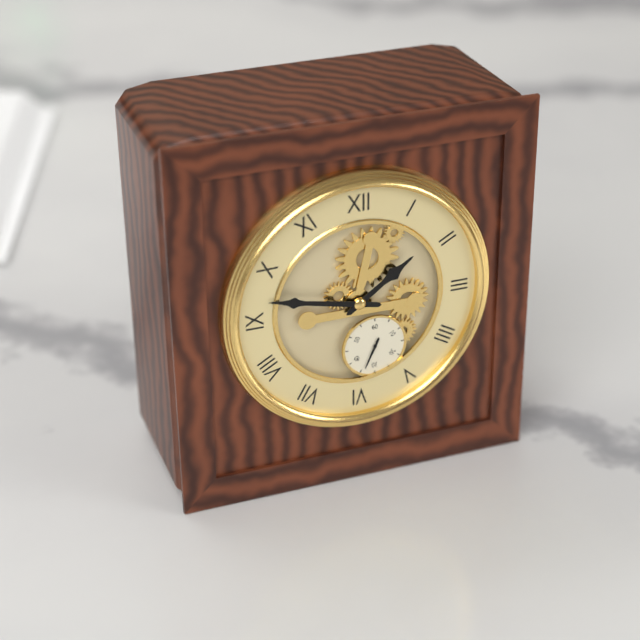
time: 1:47
